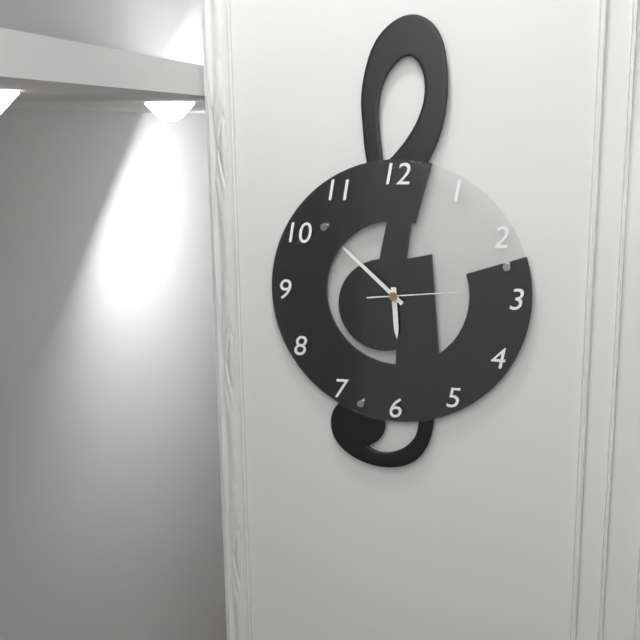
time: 5:52:14
